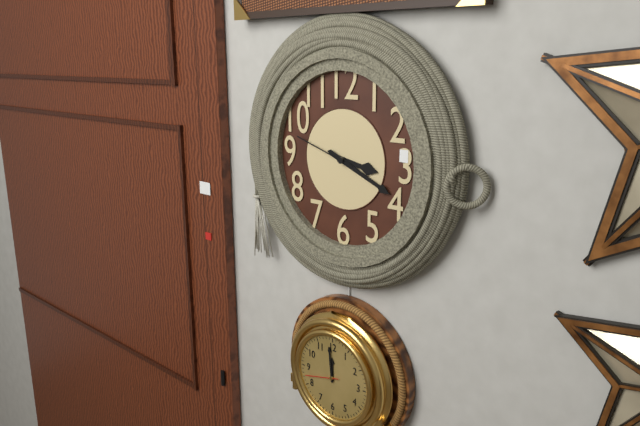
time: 3:19:48
